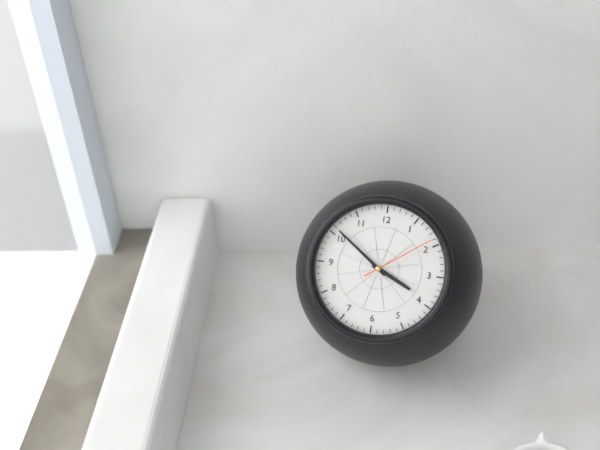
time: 3:51:09
